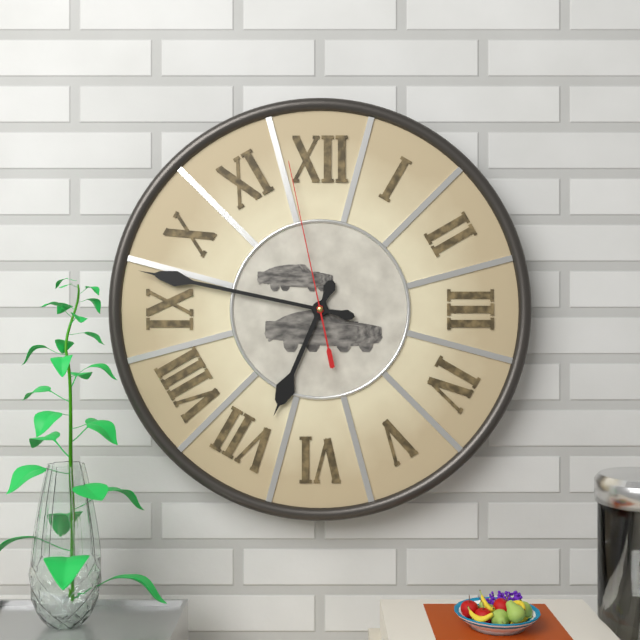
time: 6:47:58
